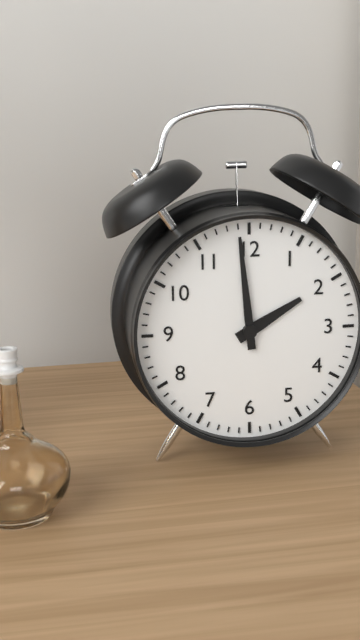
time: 1:59
